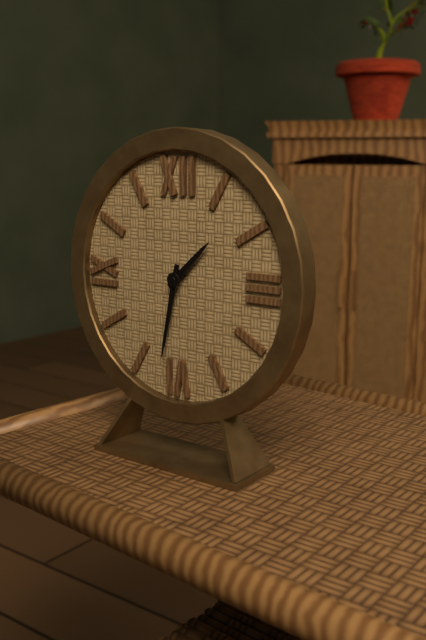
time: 1:32
